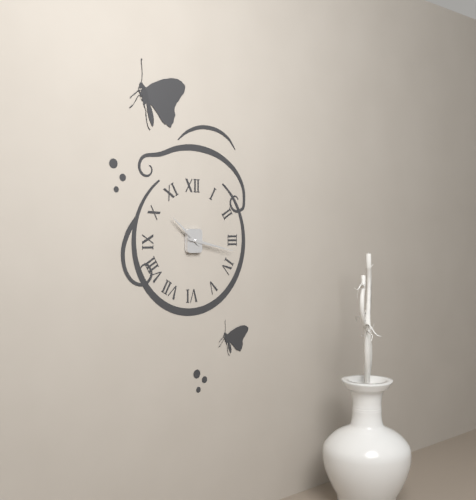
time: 10:17
